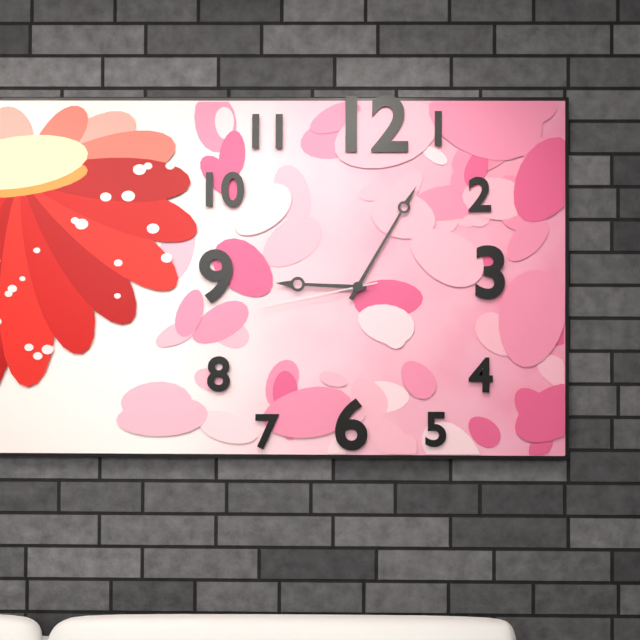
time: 9:05:43
